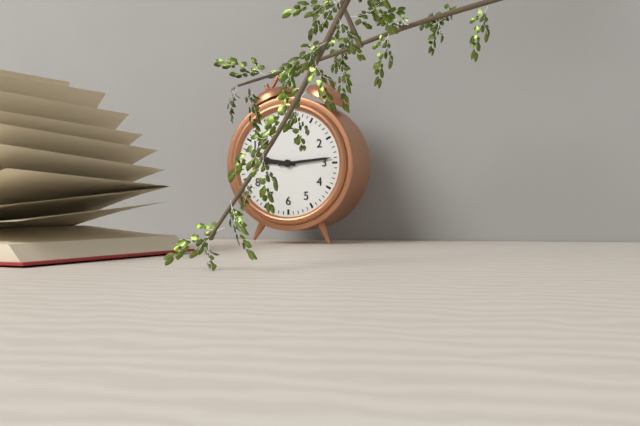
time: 9:14
